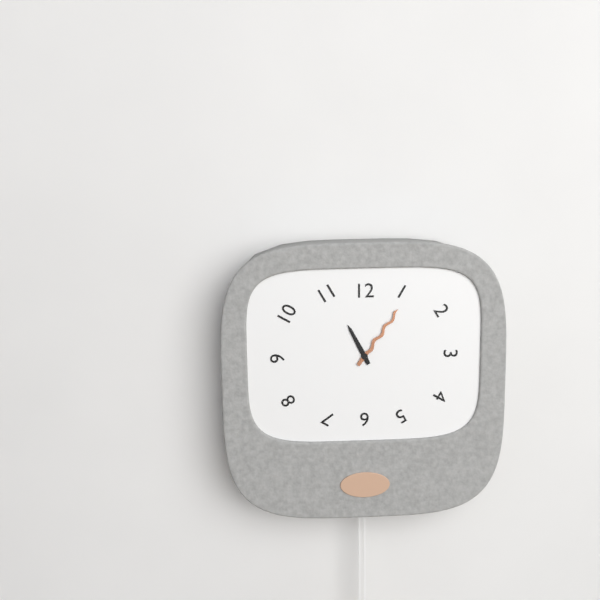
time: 11:06
